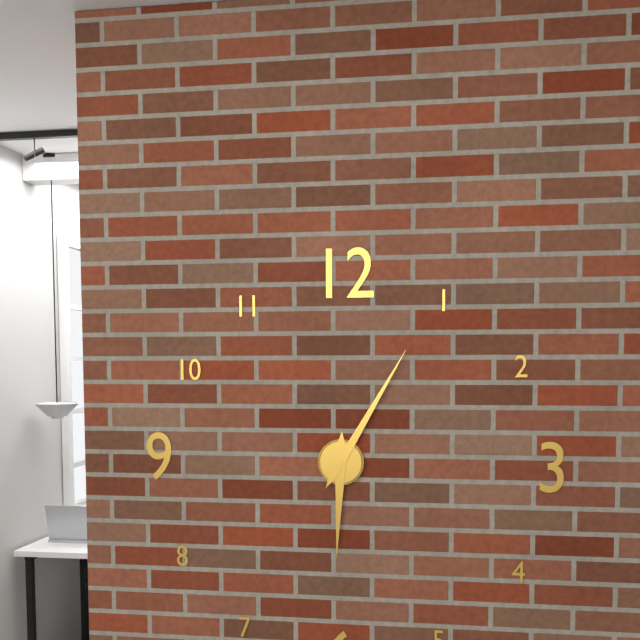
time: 6:05
